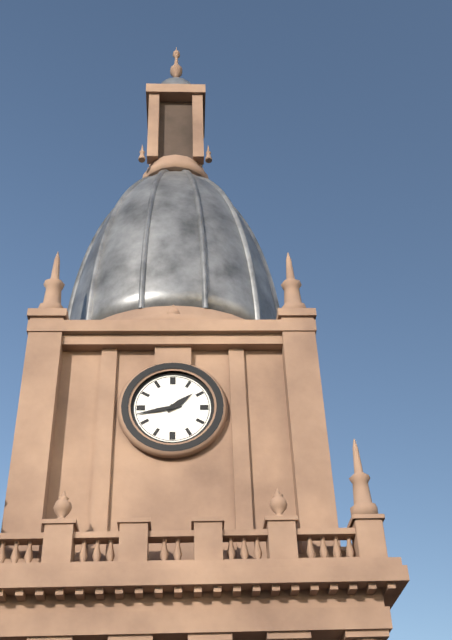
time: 1:43
